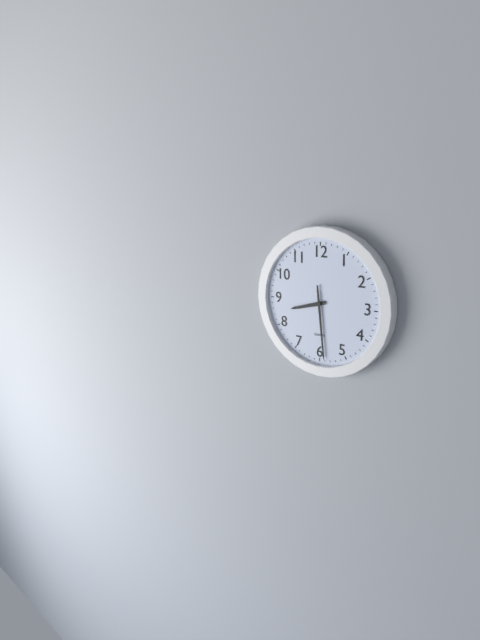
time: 8:29
